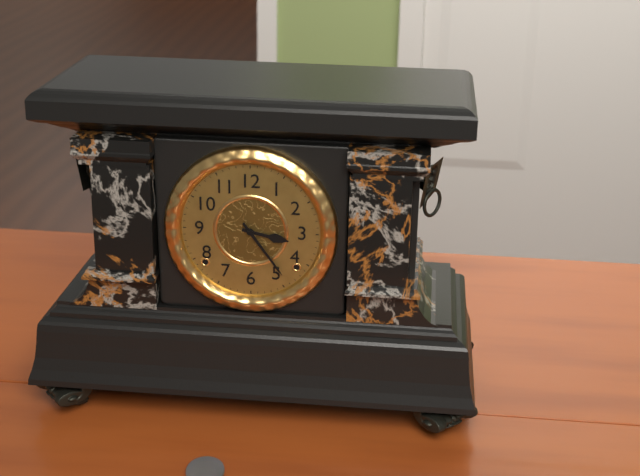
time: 3:24
